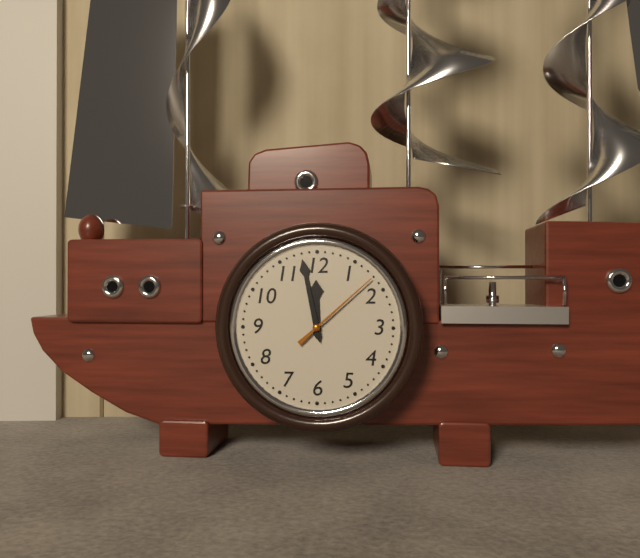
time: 11:58:08
